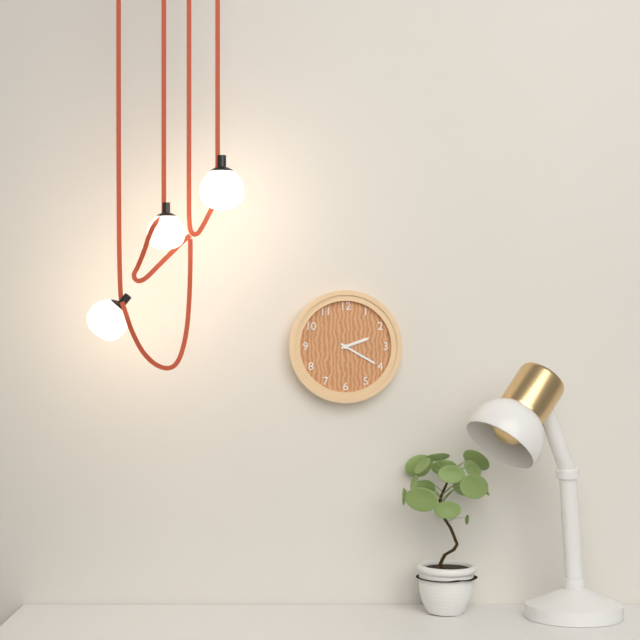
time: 2:20
